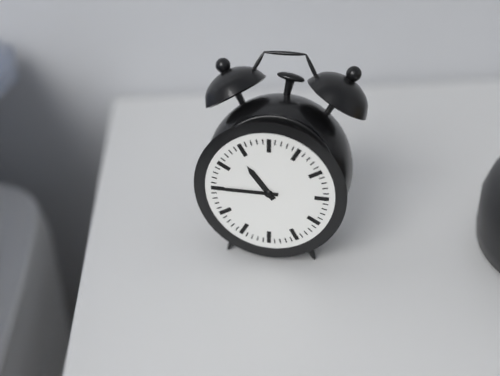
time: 10:45
